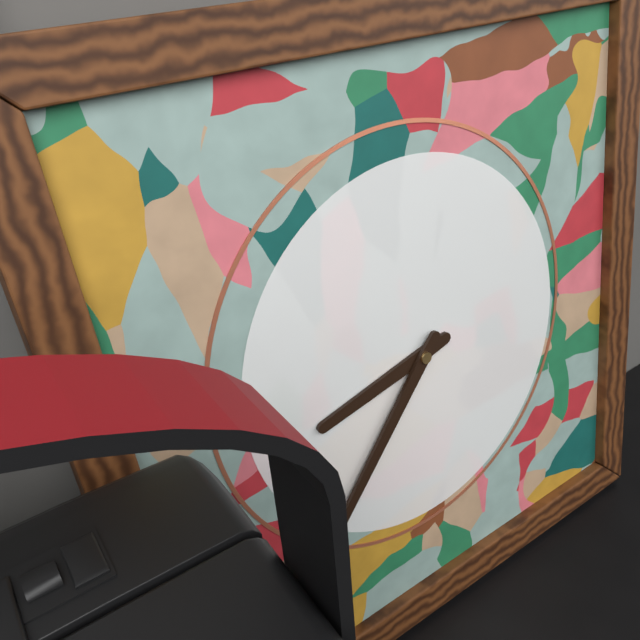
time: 8:37
